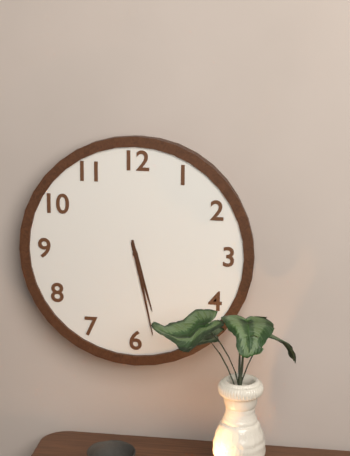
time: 5:28
